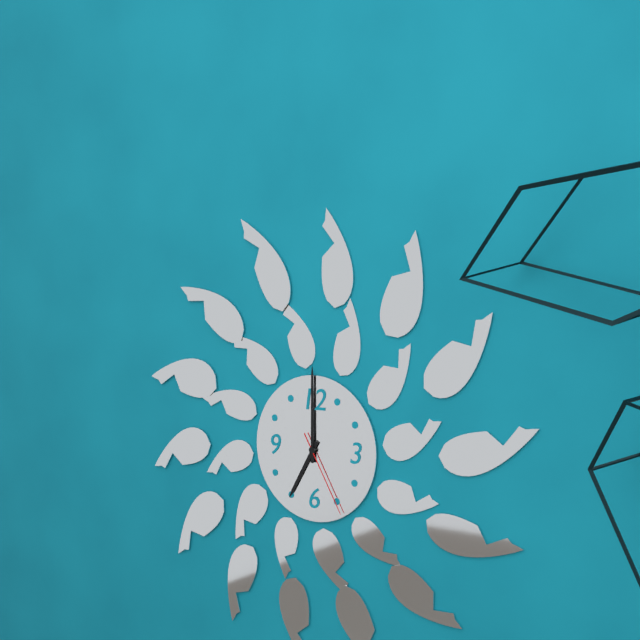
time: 7:00:25
